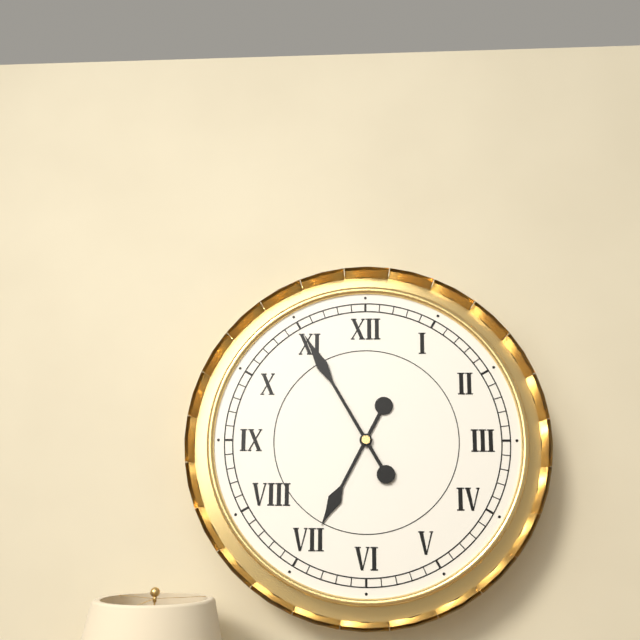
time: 6:55
